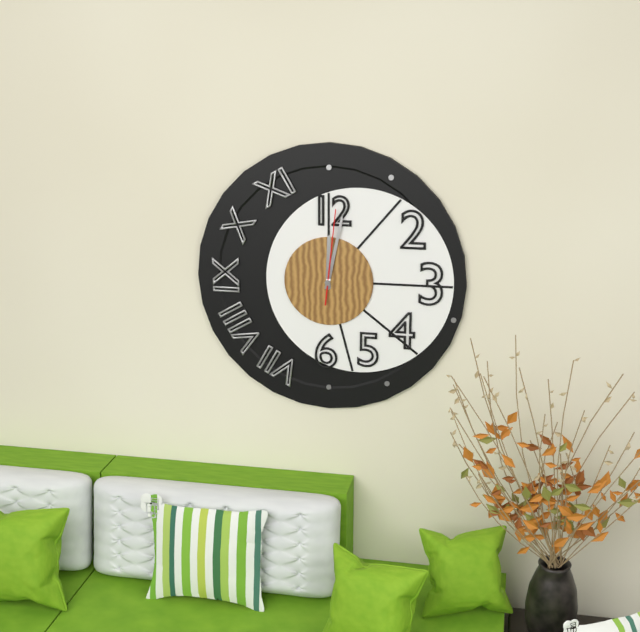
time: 12:02:01
